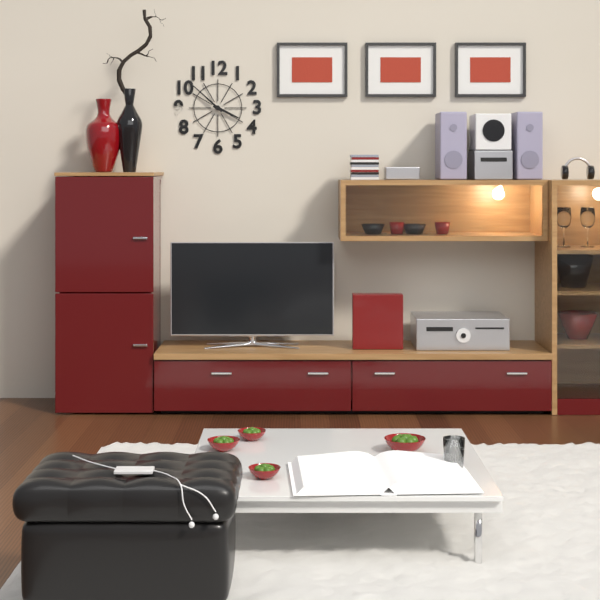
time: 3:52
